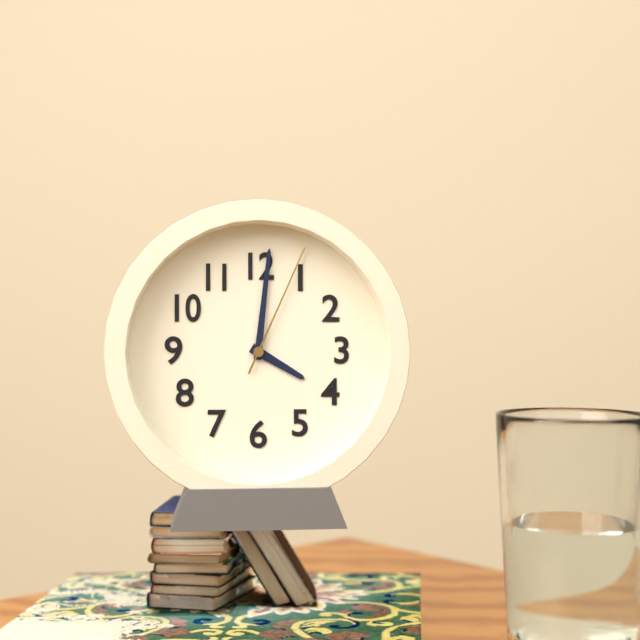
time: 4:01:04
